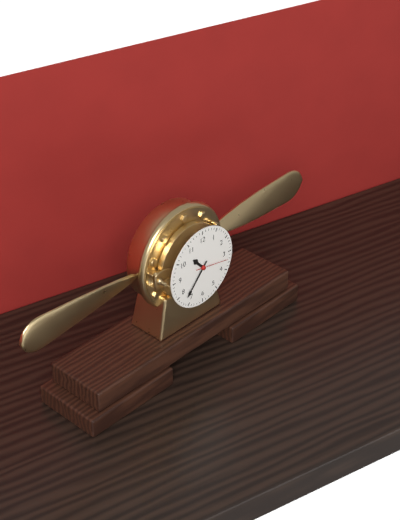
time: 10:37
